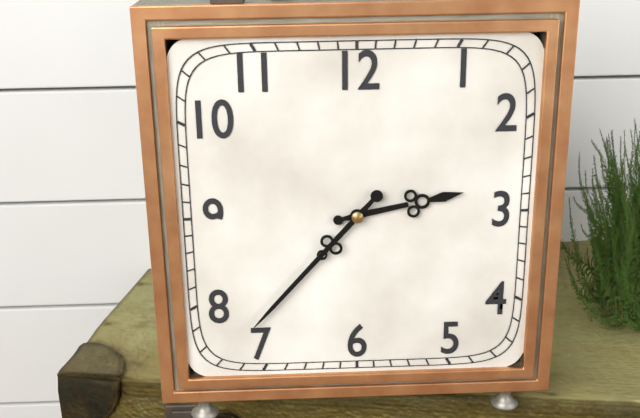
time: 2:37
